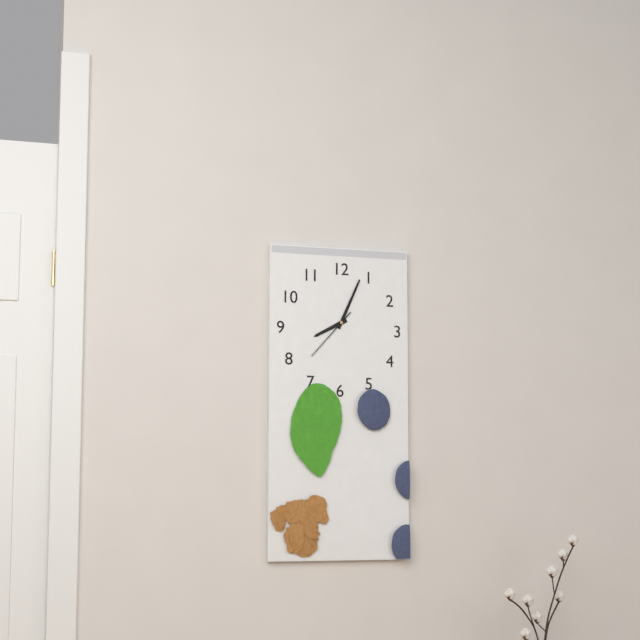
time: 8:04:37
